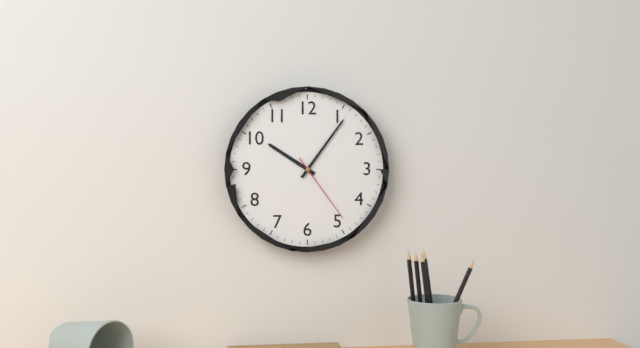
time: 10:06:24
